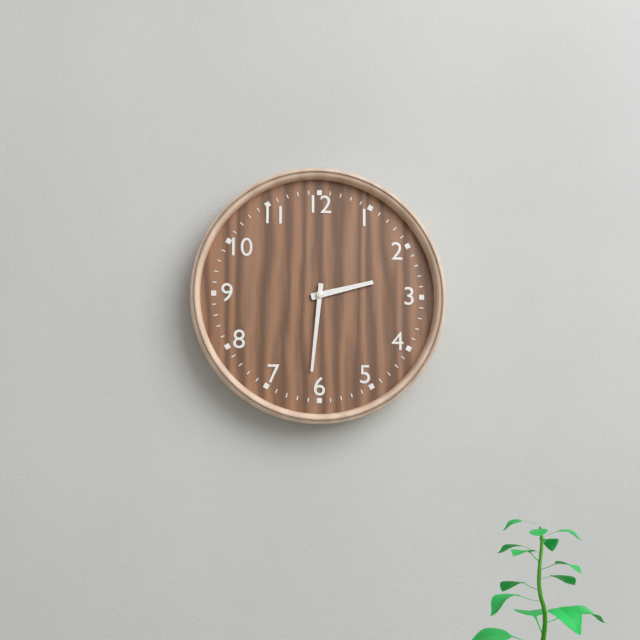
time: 2:31
